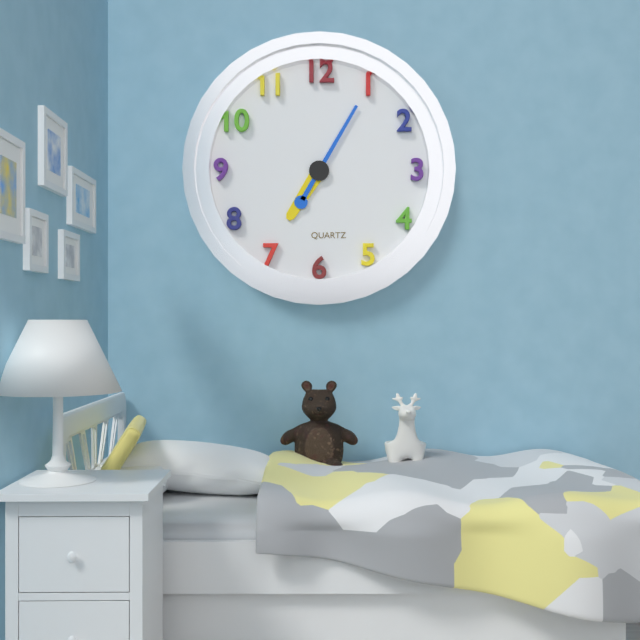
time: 7:05
